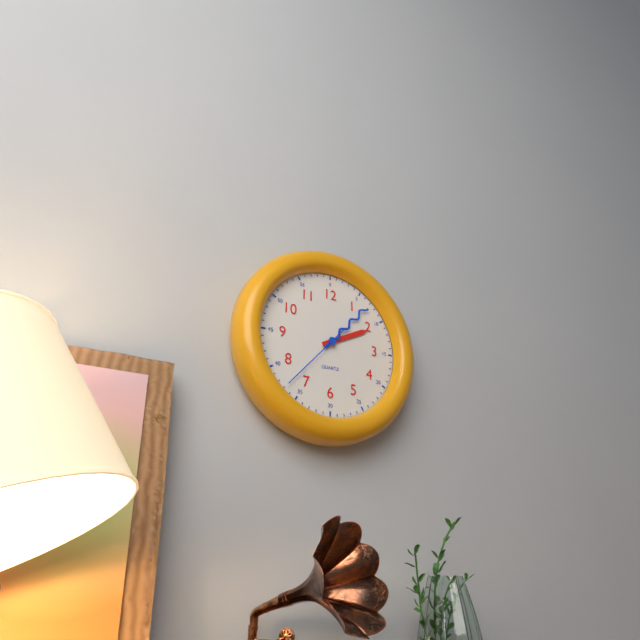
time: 2:07:37
